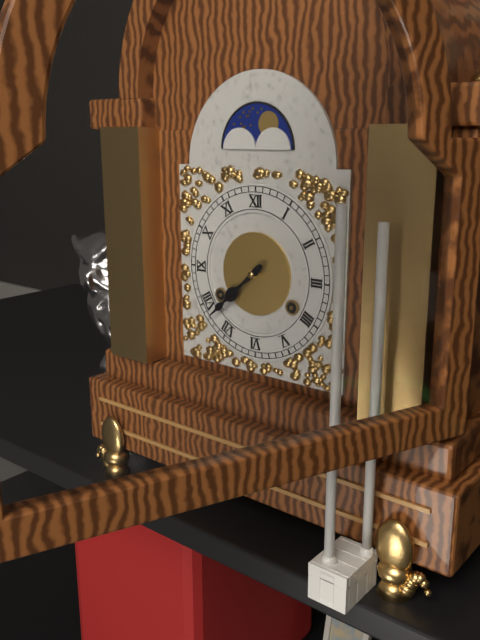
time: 7:38
